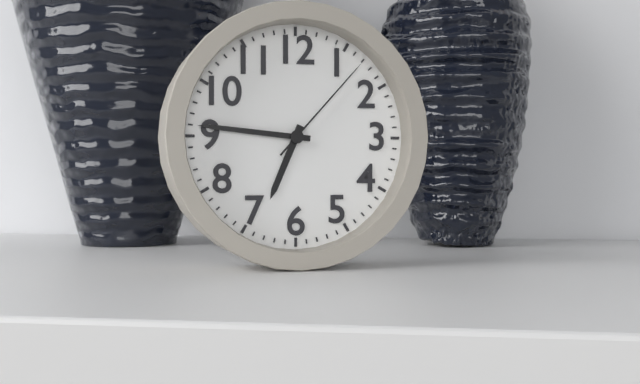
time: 6:46:07
